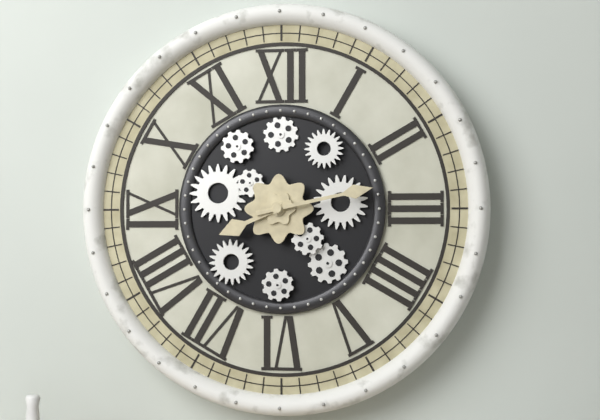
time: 8:13
